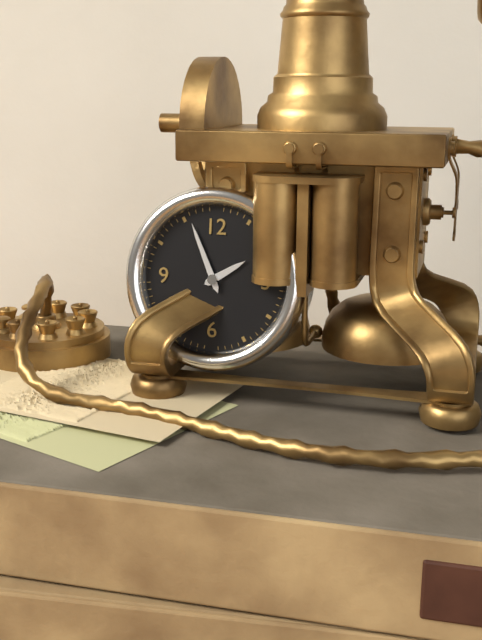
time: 1:56
